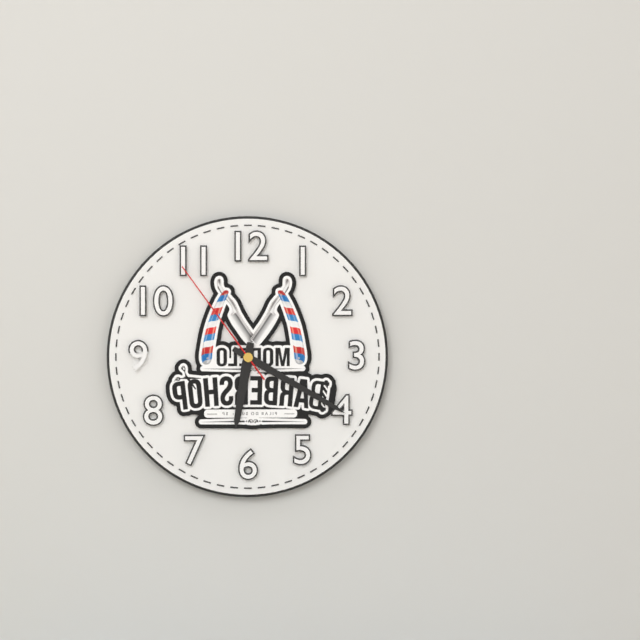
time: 6:20:54
